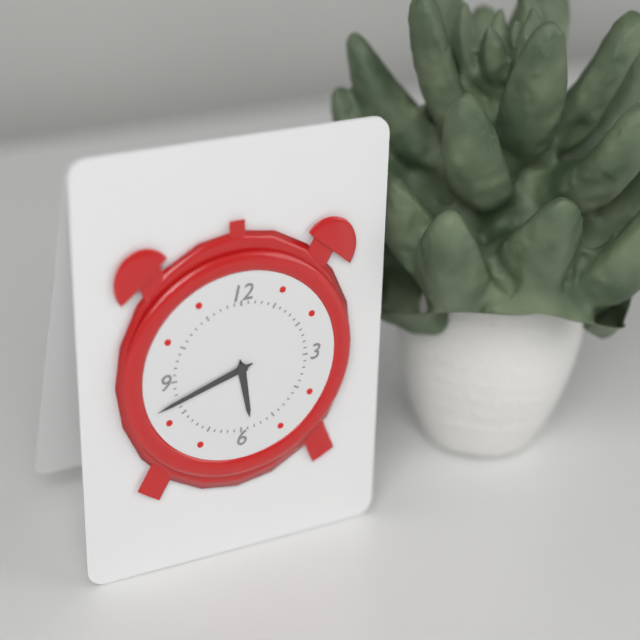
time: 5:42
